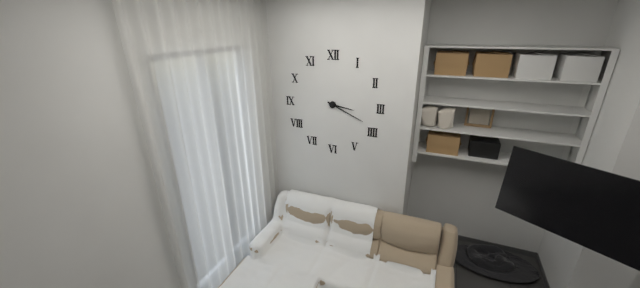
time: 3:19
